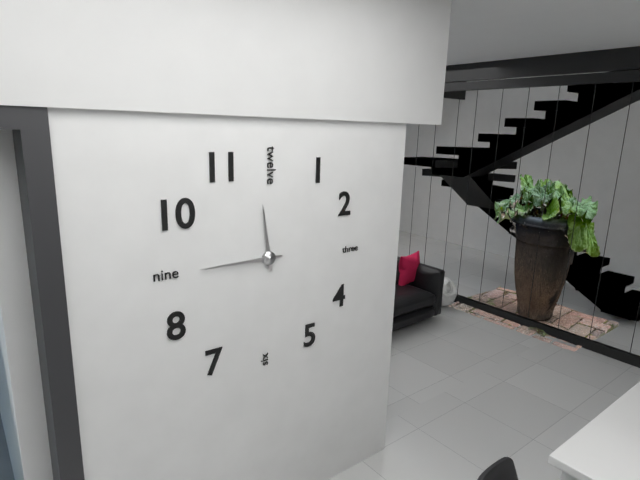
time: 11:45
